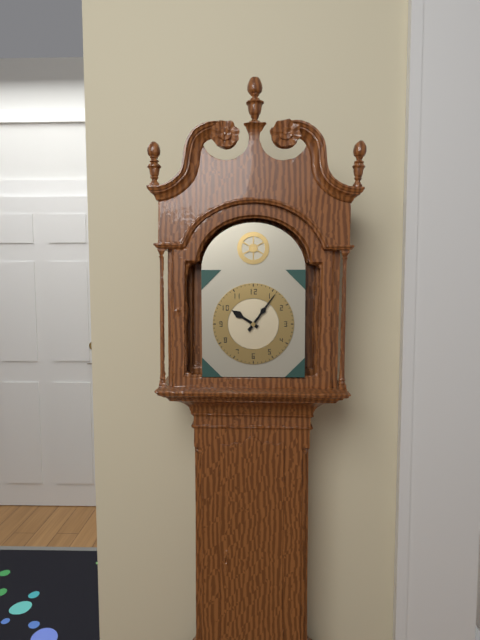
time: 10:06
